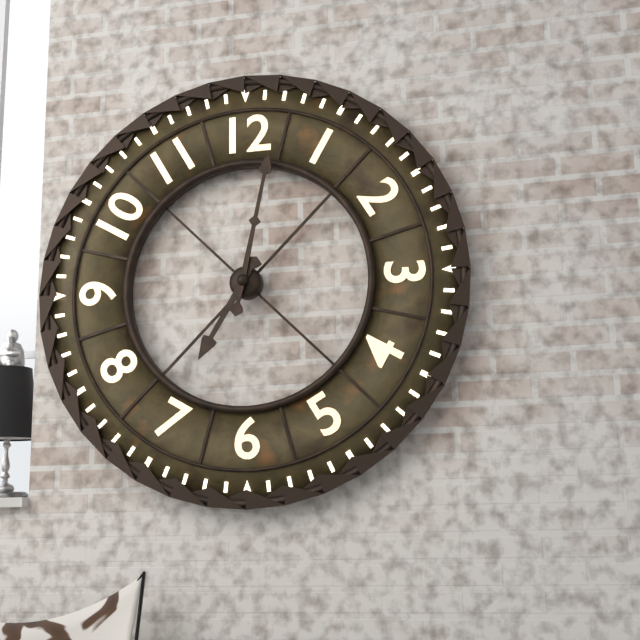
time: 7:02
